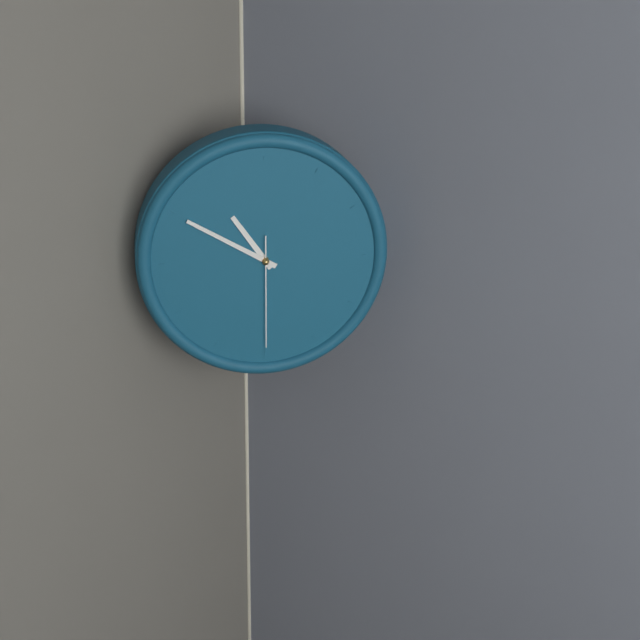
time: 10:50:30
